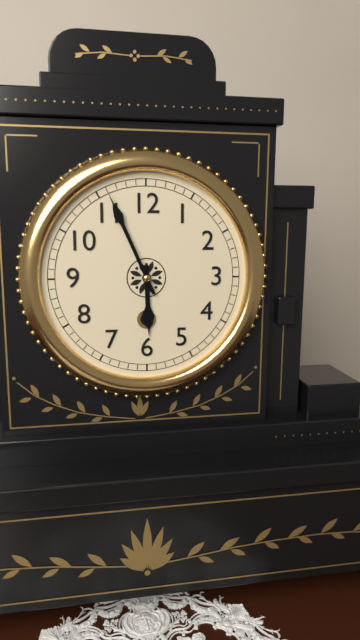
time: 5:56
